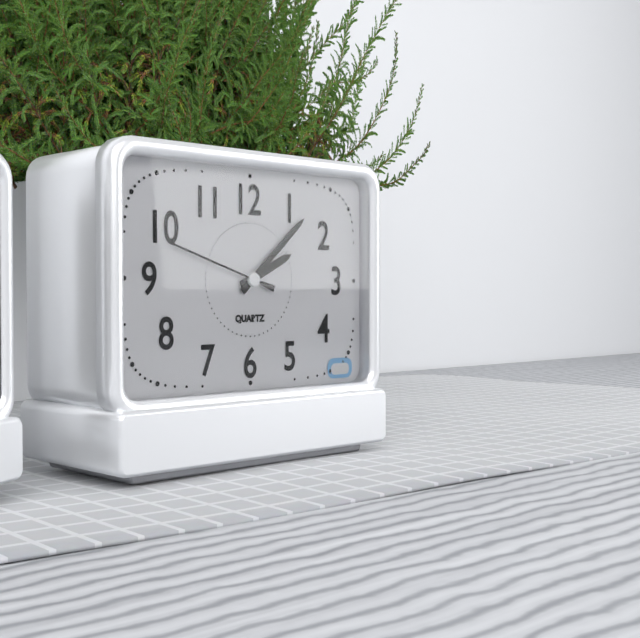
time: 2:08:48
